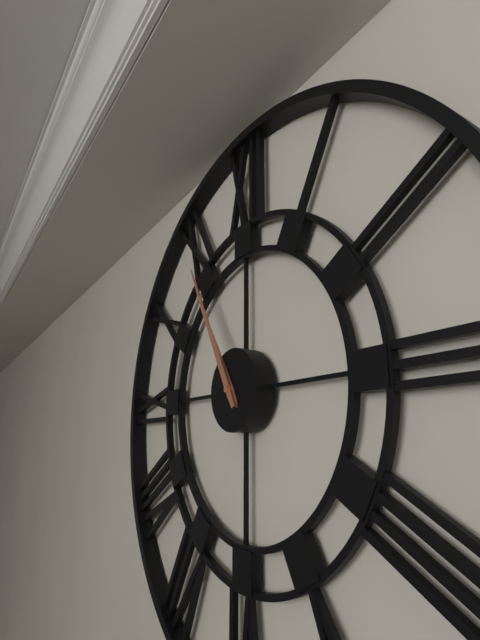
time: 10:55
